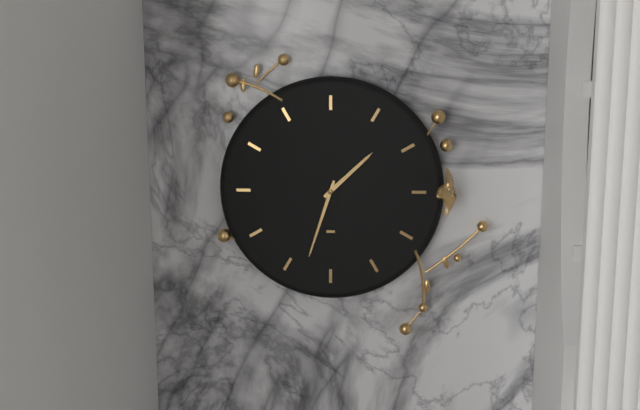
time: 1:33
